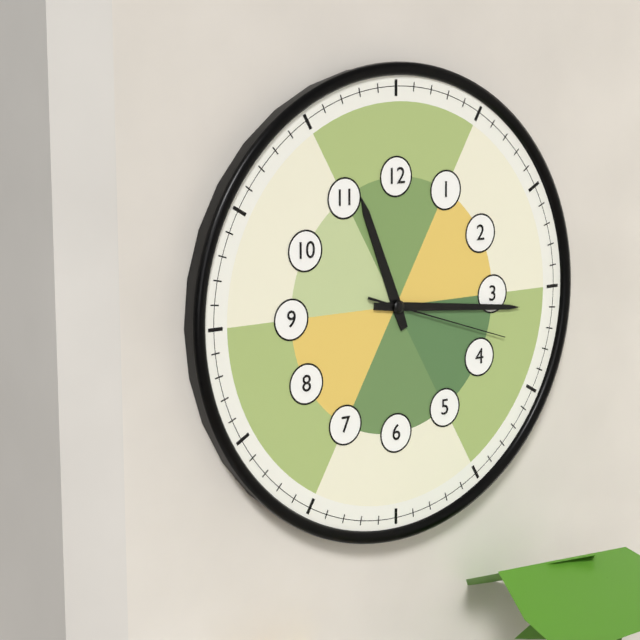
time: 11:16:18
